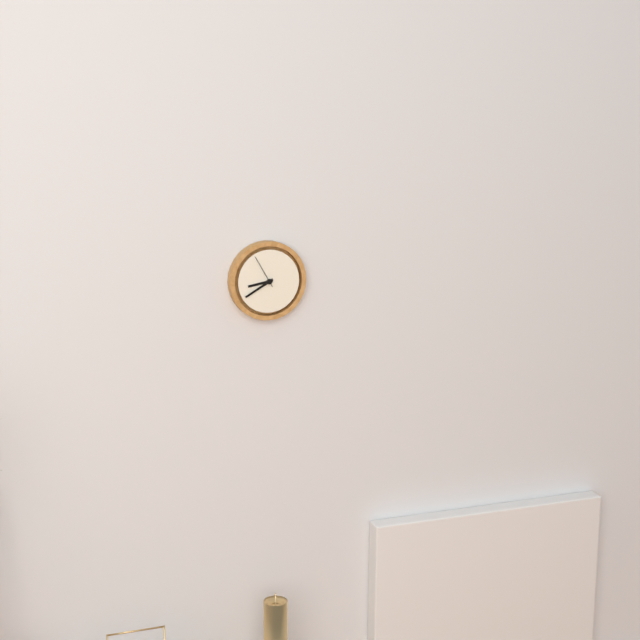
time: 8:40
